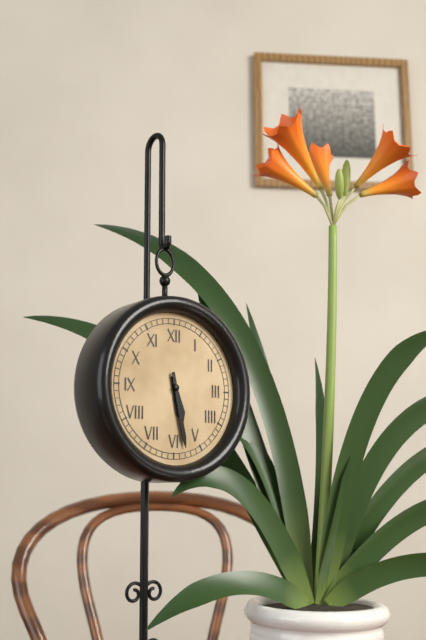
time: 5:28
